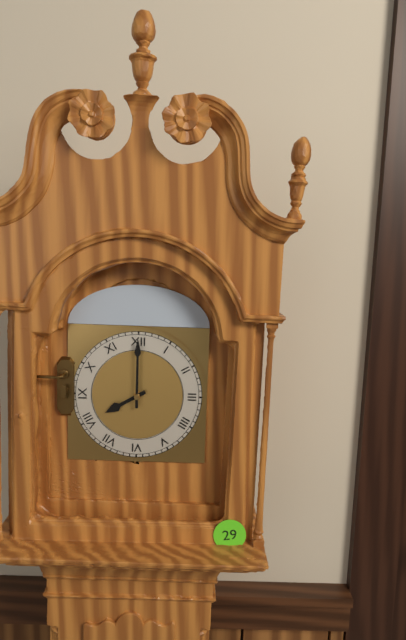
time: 8:00
